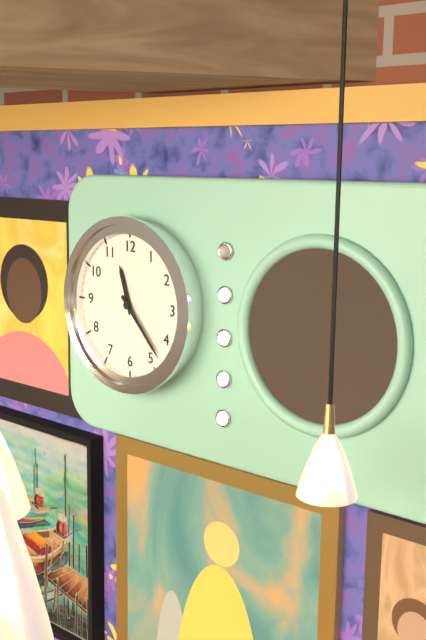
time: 11:23
